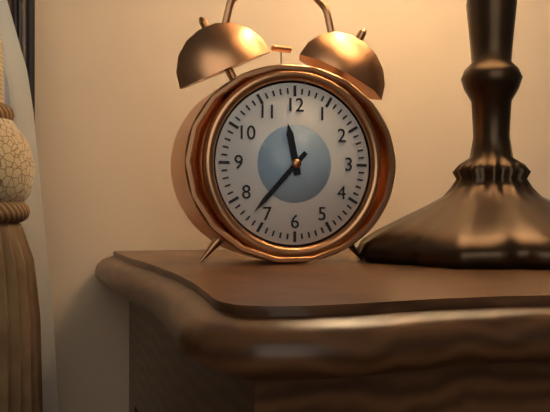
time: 11:37
